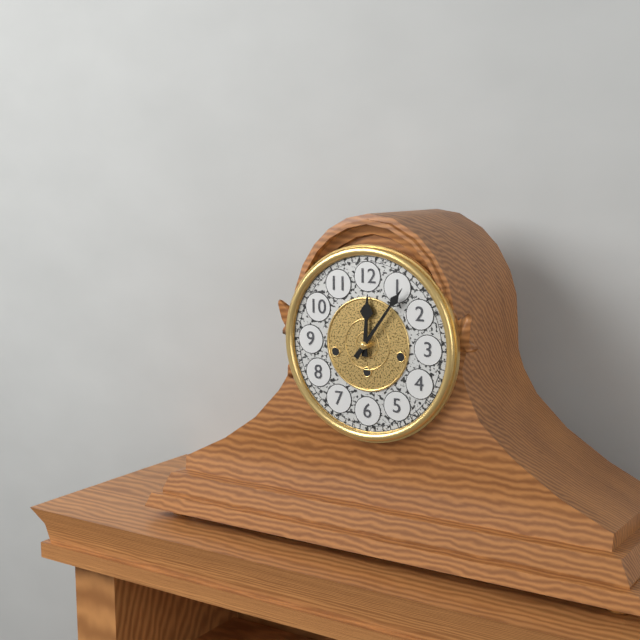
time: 12:06
